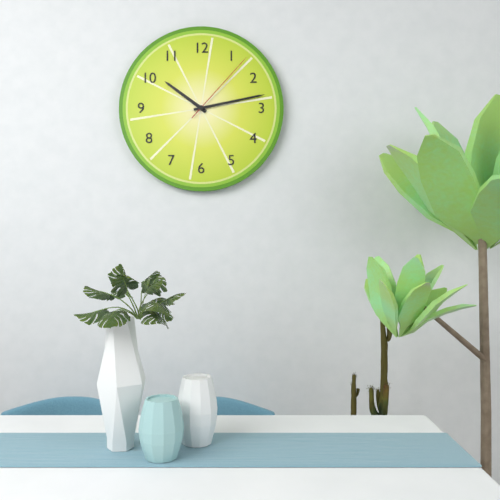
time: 10:13:07
